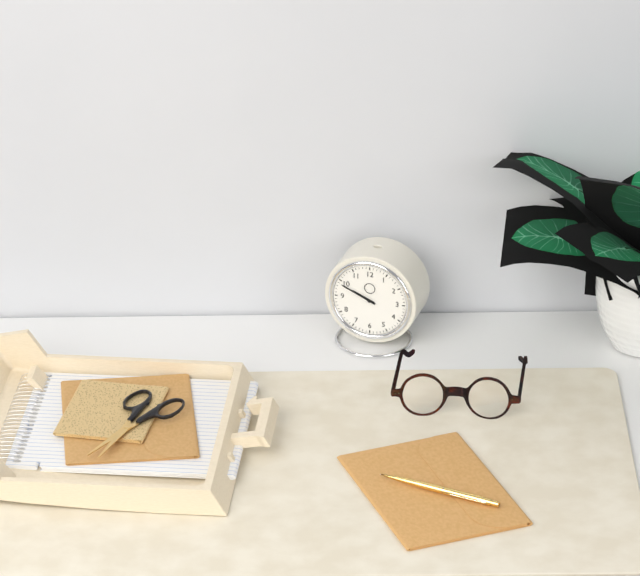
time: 9:49
